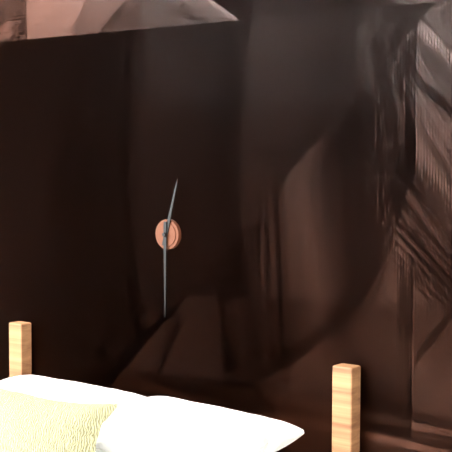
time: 12:30
